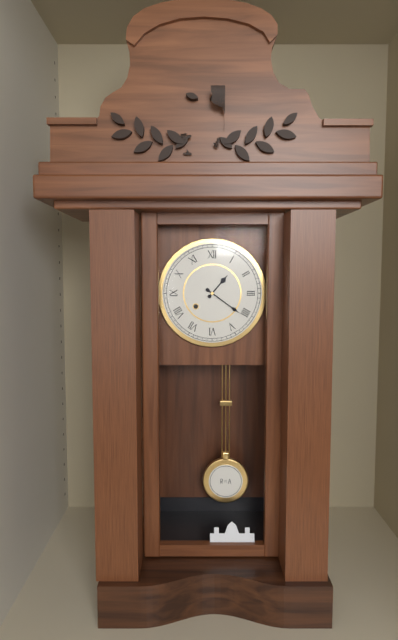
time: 1:21
